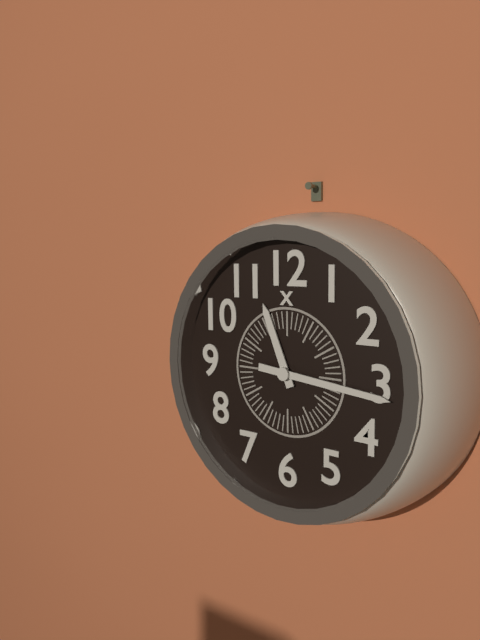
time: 11:16
